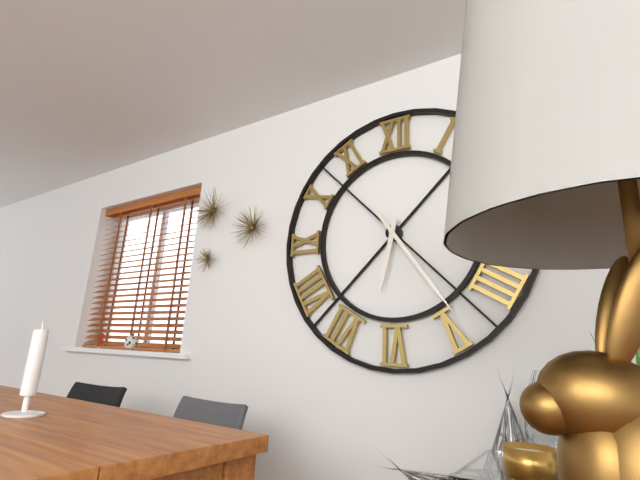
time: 6:24
